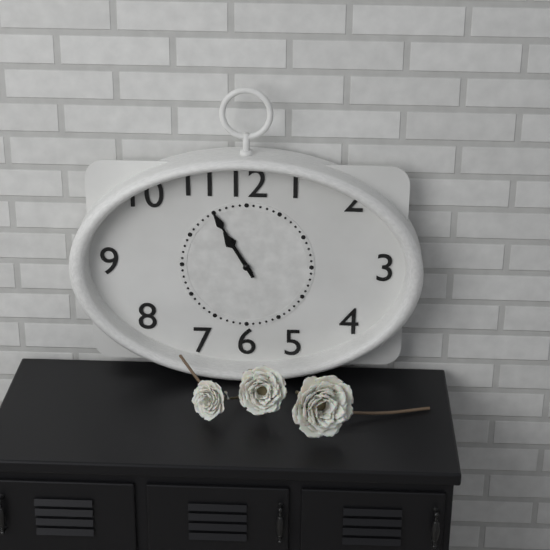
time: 10:55
